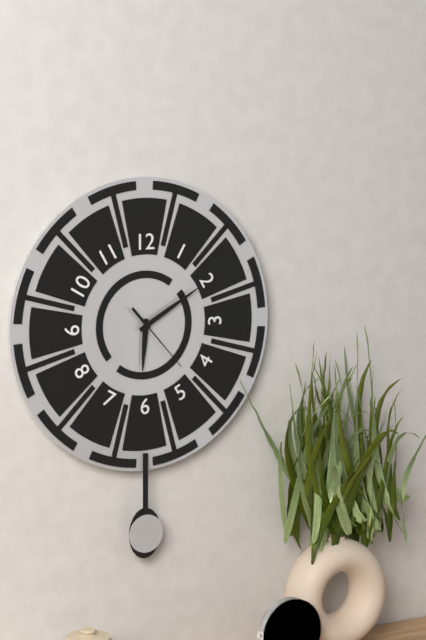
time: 6:10:23
